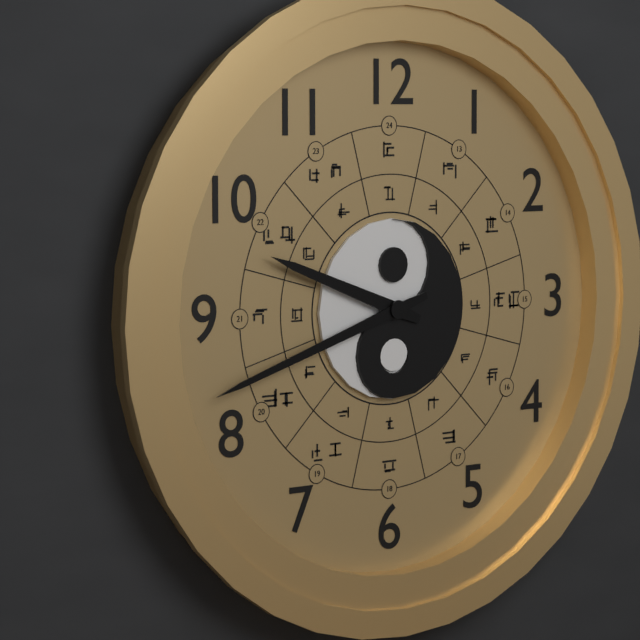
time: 9:42
